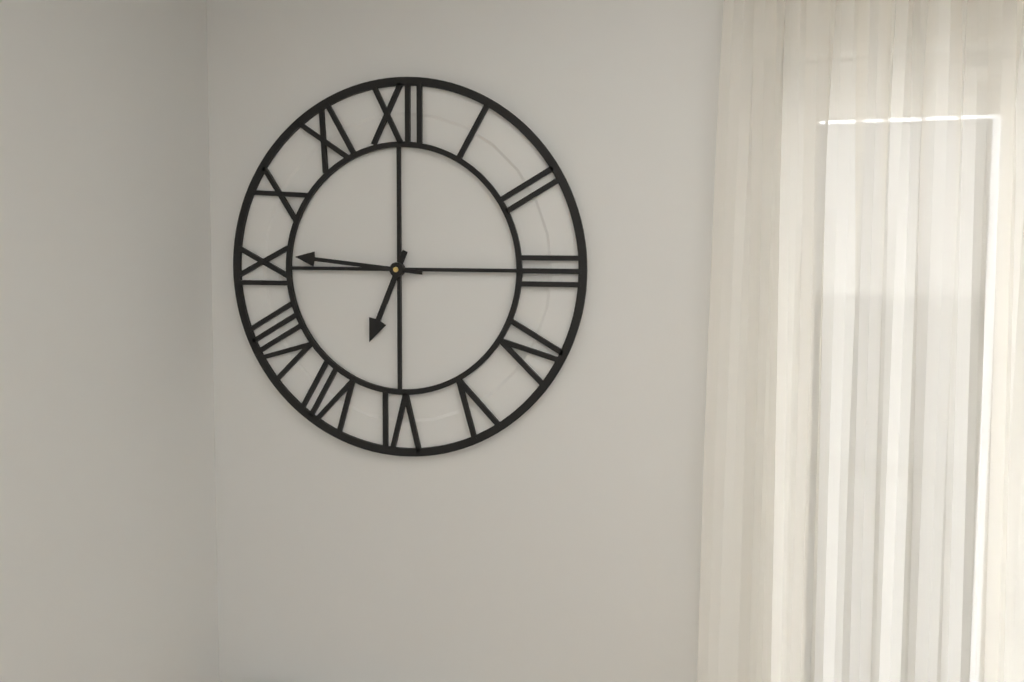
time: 6:46
